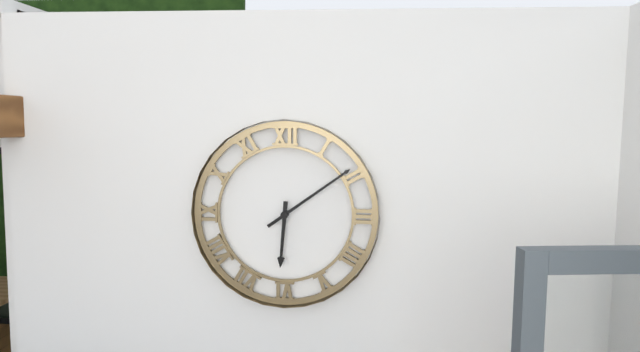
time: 6:09
